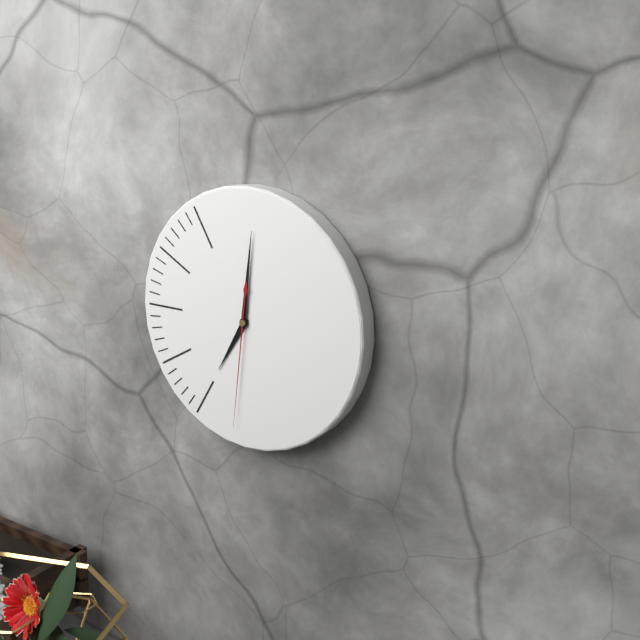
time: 7:01:31
